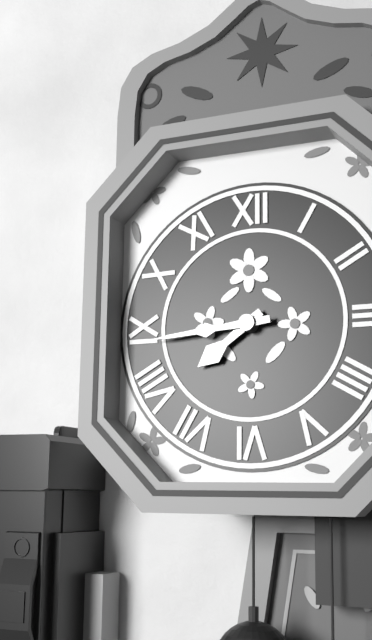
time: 7:44
